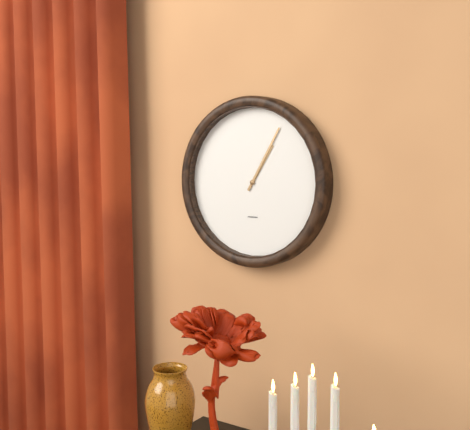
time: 1:05
